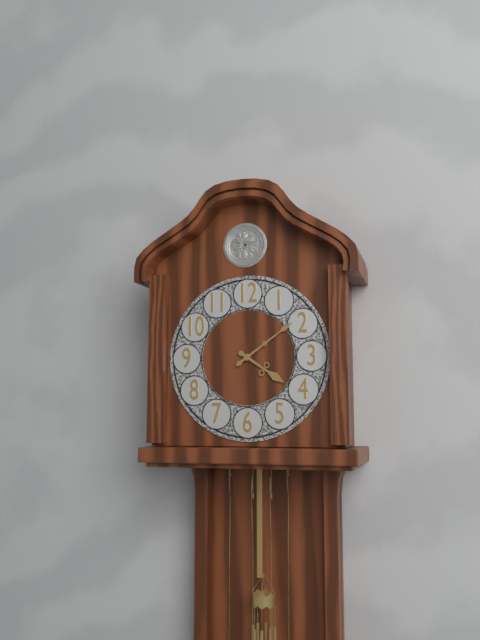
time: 4:09
